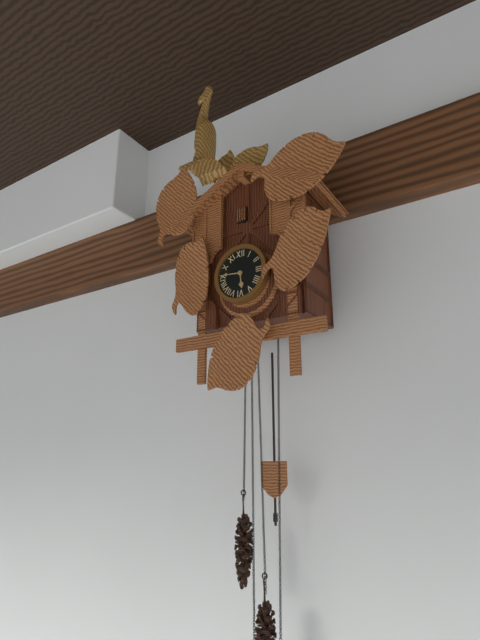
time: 5:46
